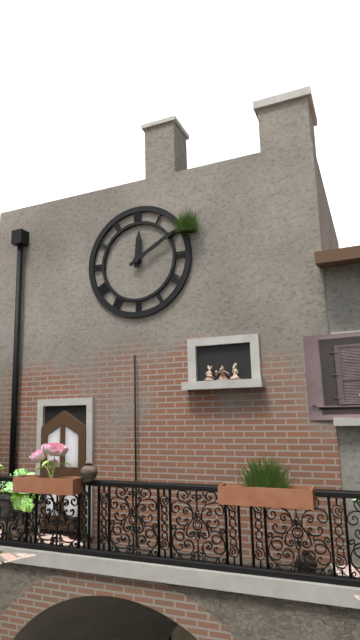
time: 12:10
